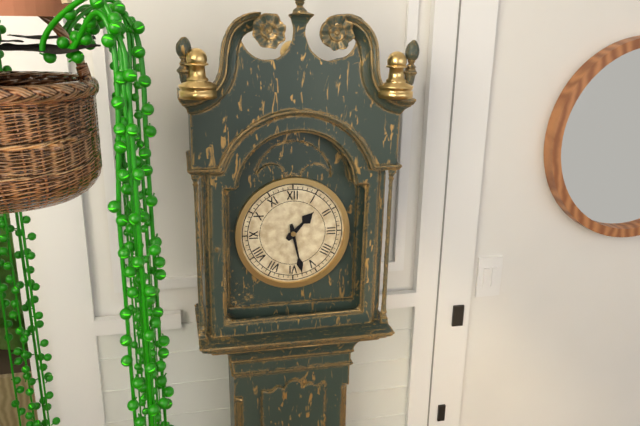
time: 1:28
